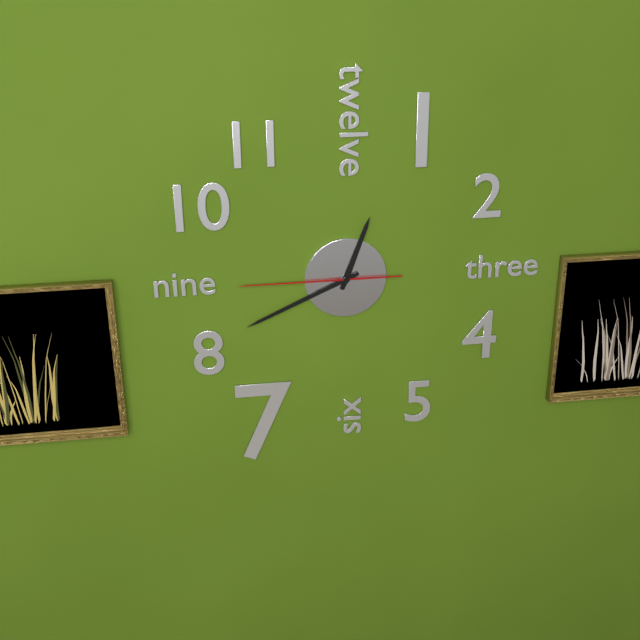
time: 12:41:45
